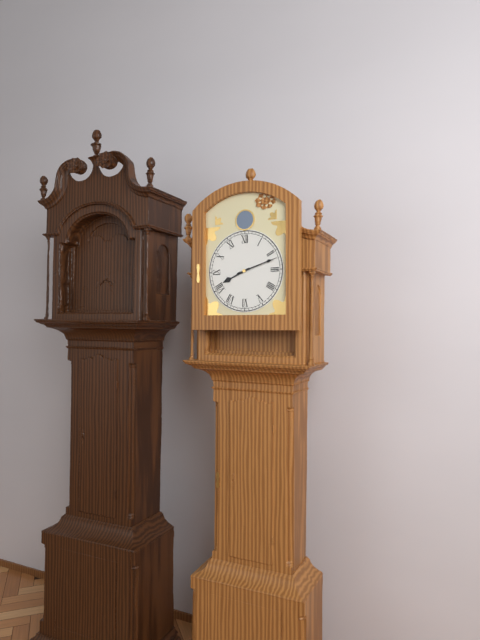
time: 8:12
